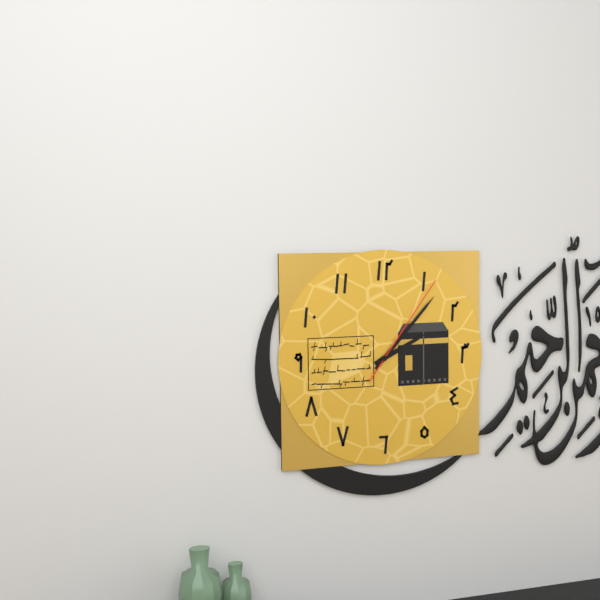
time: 2:07:06
